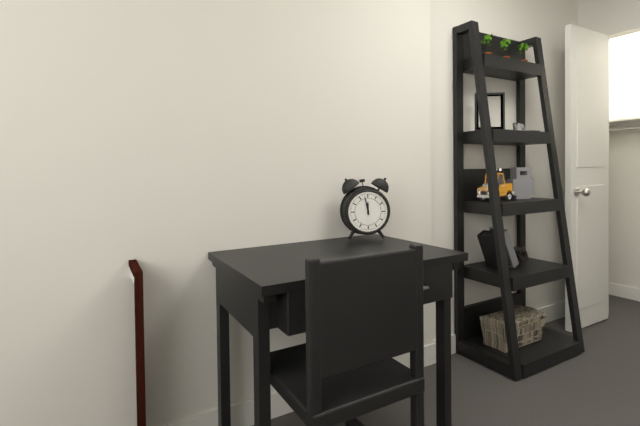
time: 11:58
